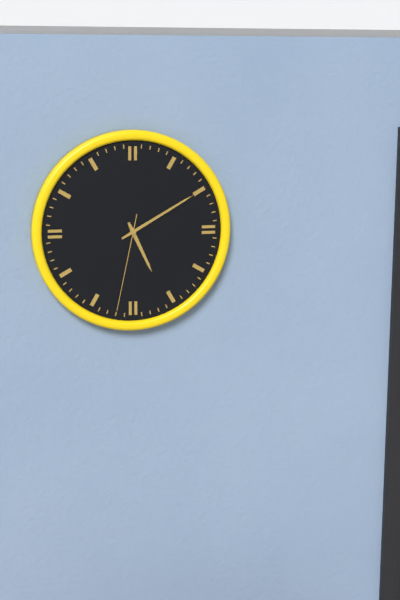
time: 5:10:32
